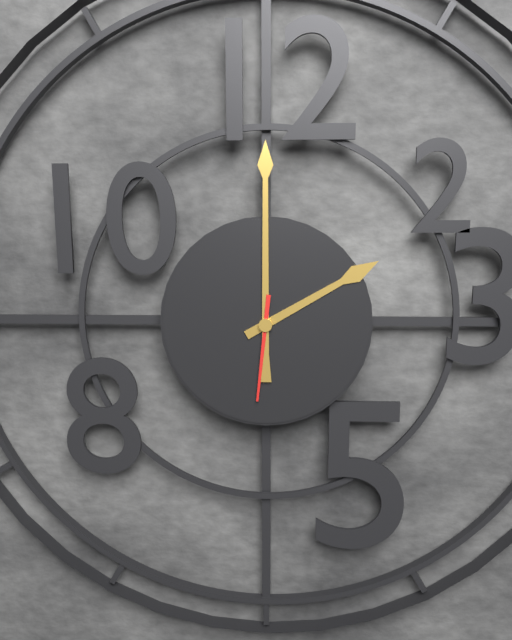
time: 2:00:31
